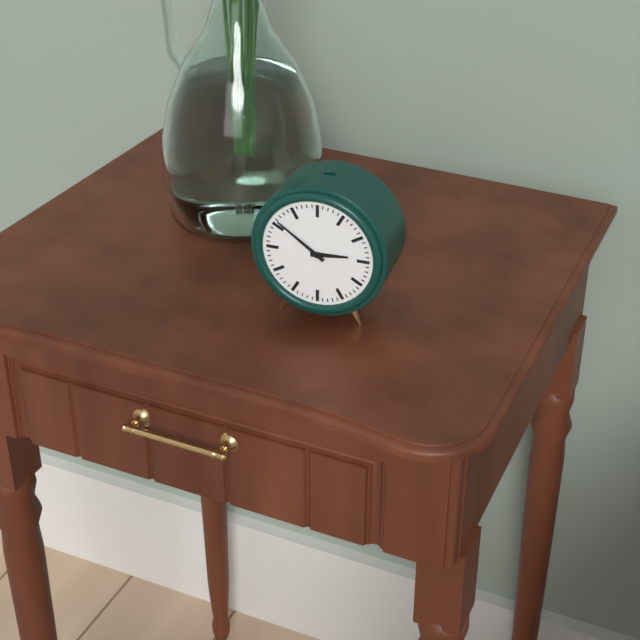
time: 2:51
